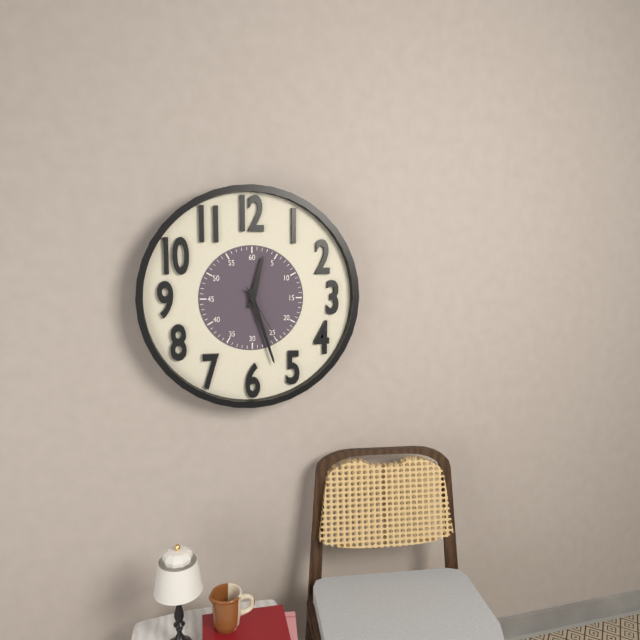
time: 12:27:25
